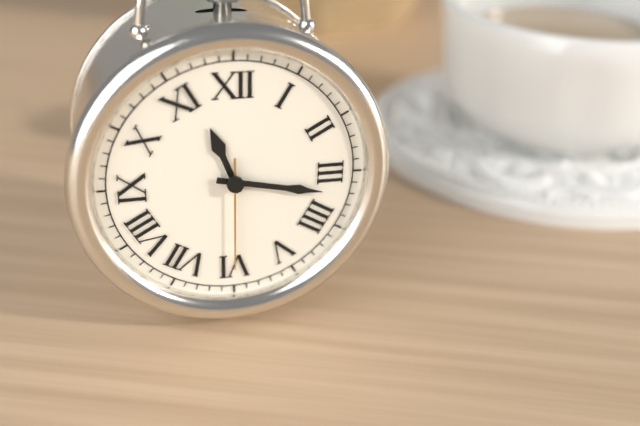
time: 11:17:30
